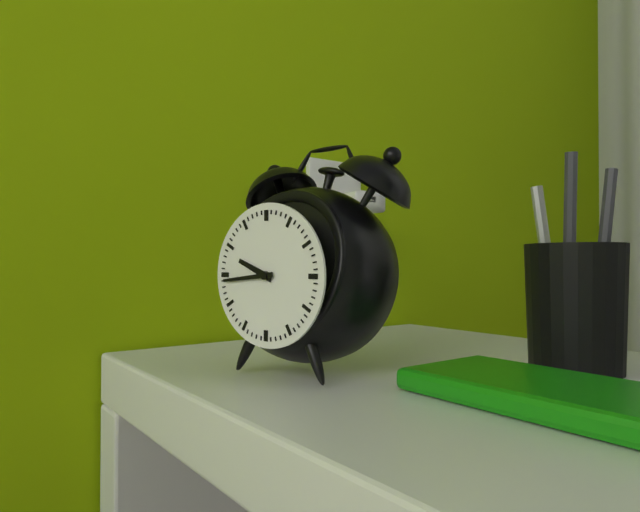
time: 9:44
